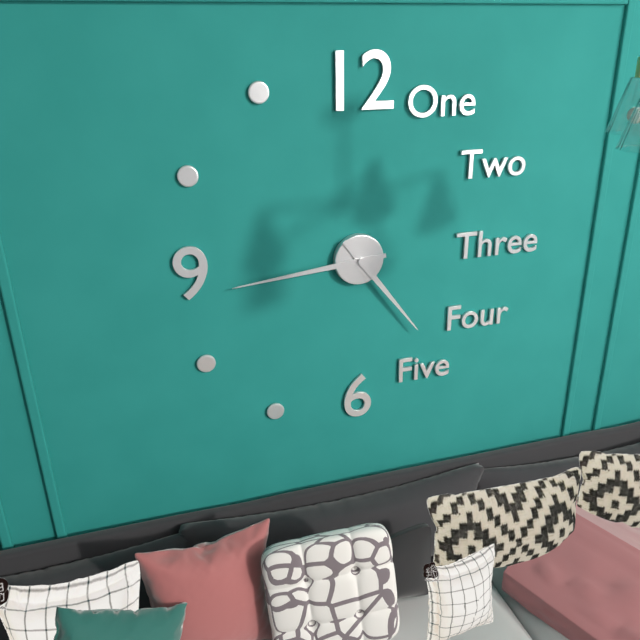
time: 4:44
